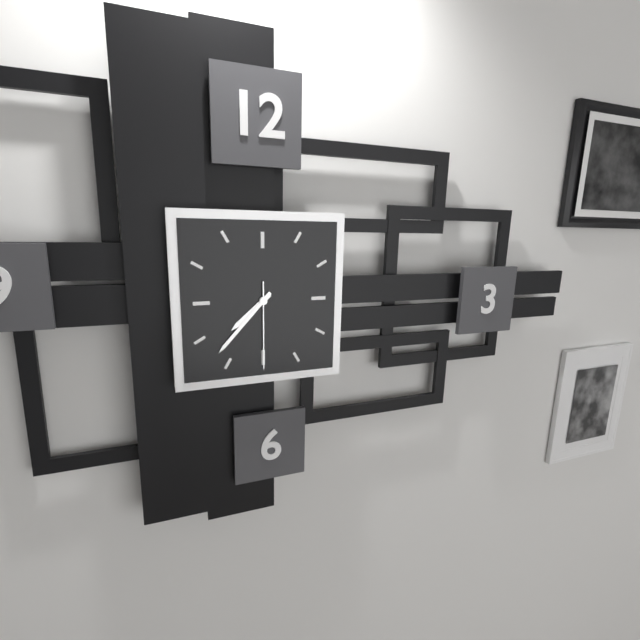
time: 7:37:30
